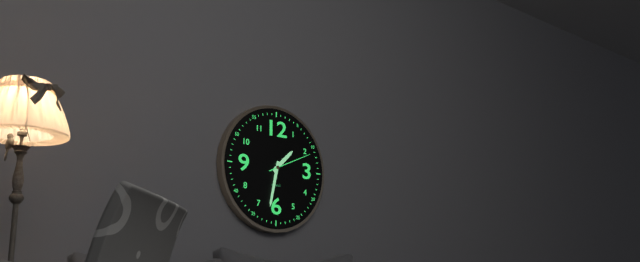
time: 1:32
